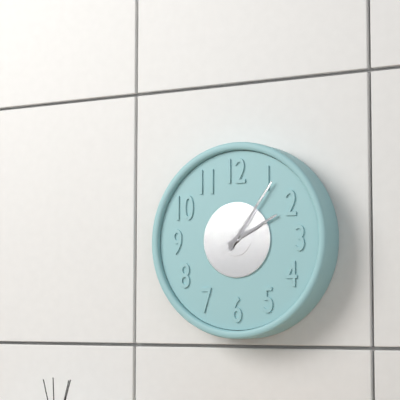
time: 2:06
